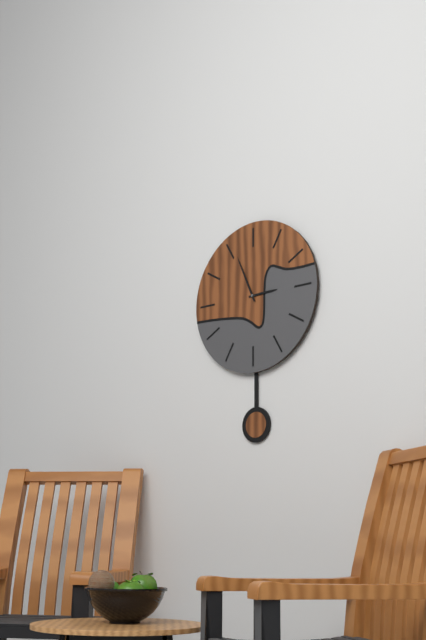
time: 2:56
